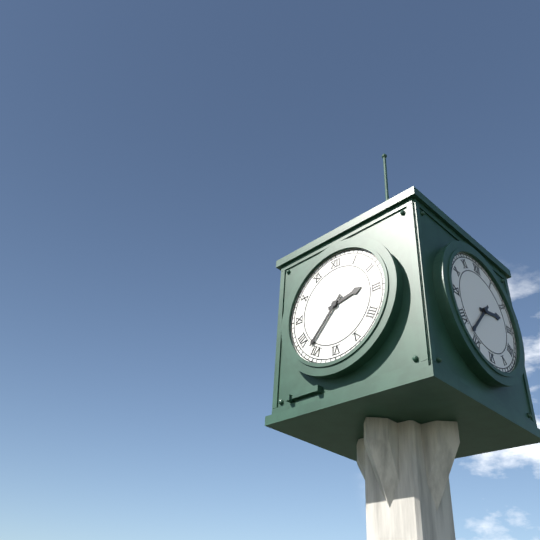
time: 2:37
